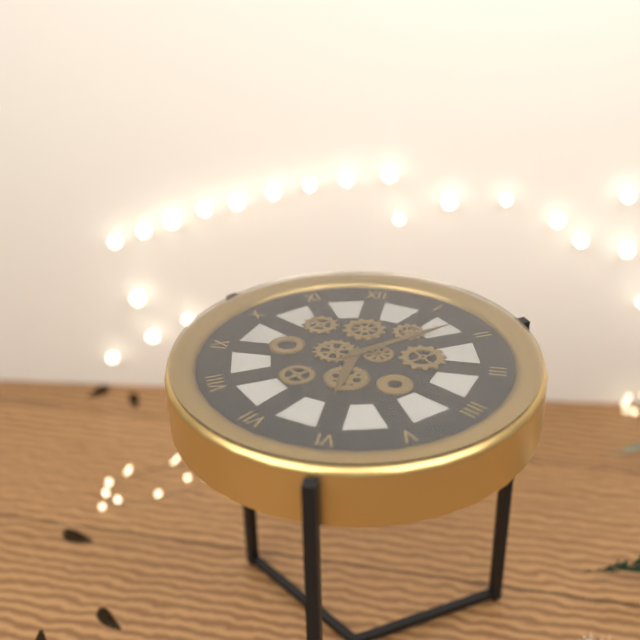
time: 6:08
